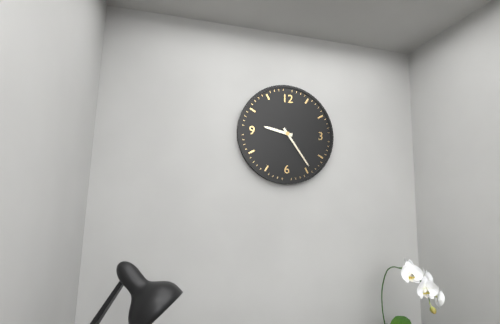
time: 9:24
